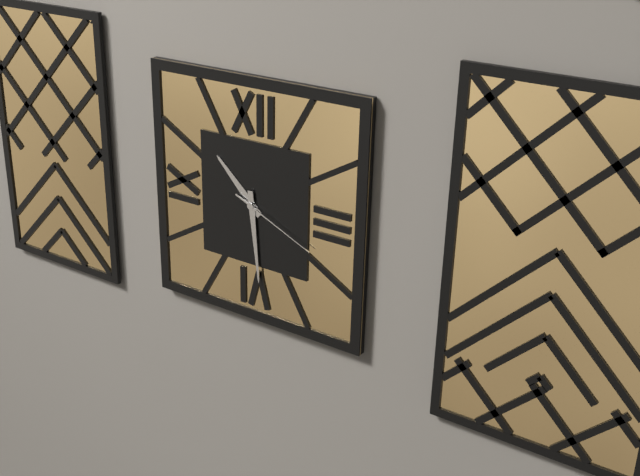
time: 10:29:19
